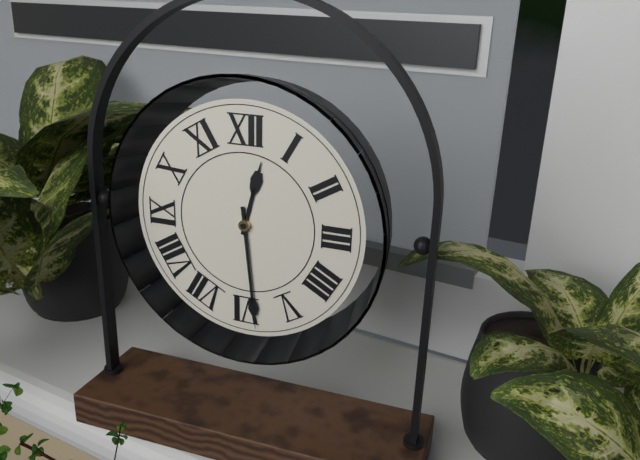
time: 12:29
